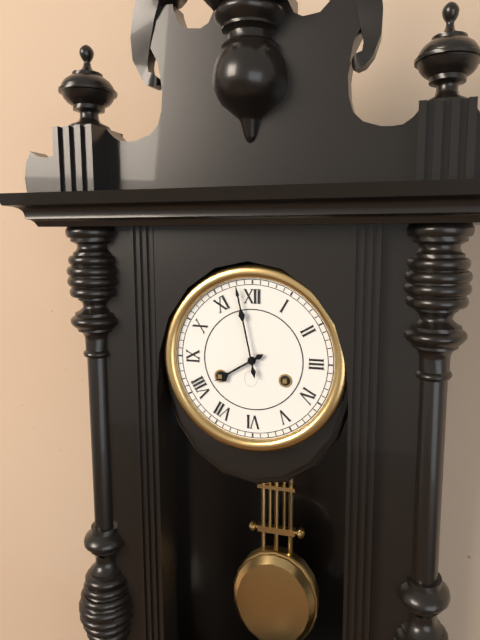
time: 7:58
